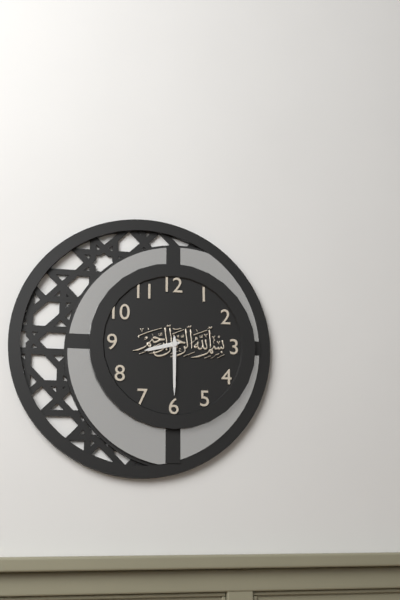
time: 8:30
